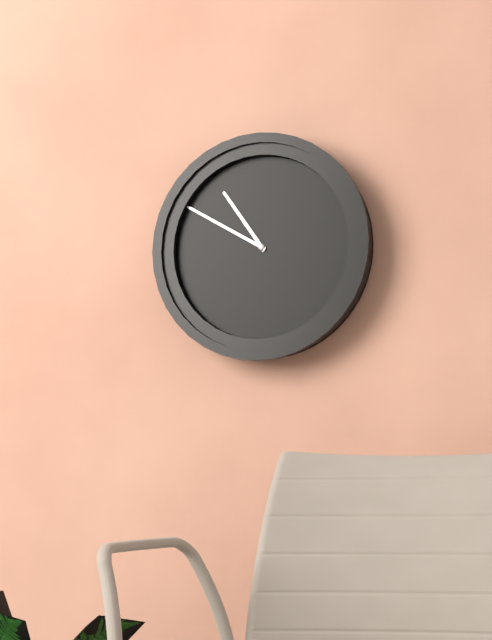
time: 10:50
